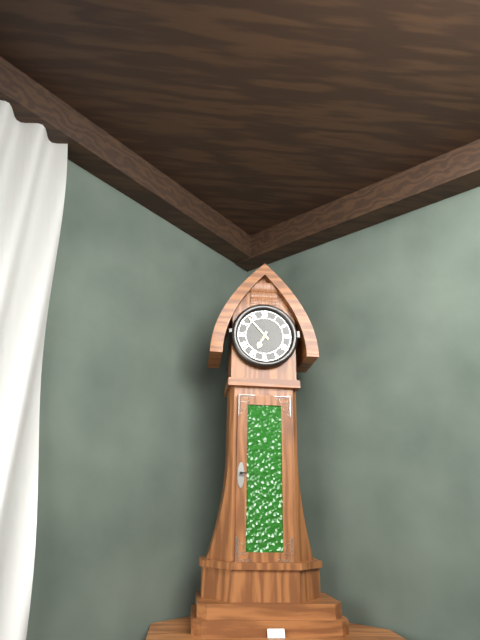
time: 6:53
